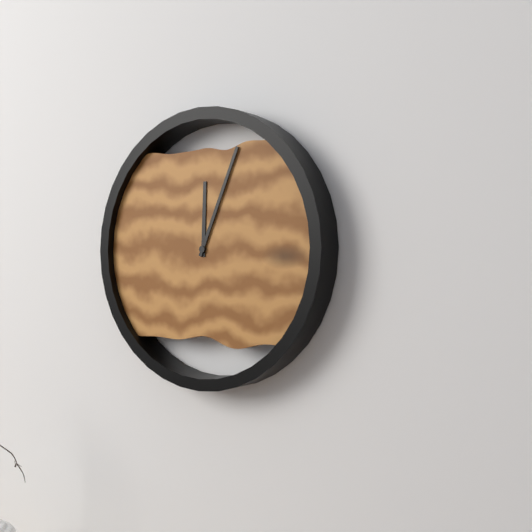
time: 12:04
